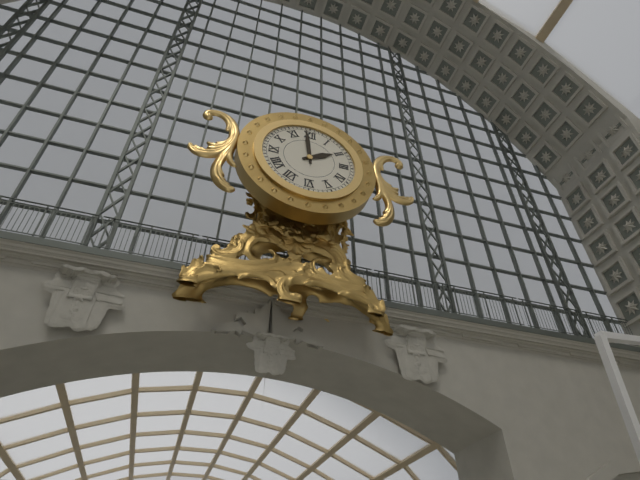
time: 1:59
